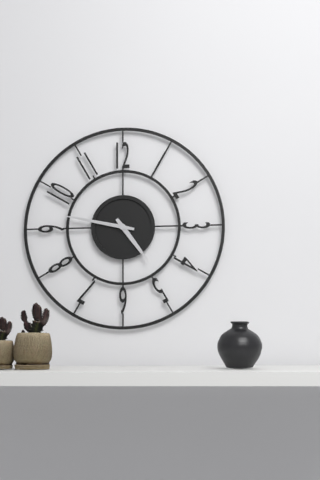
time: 4:47
